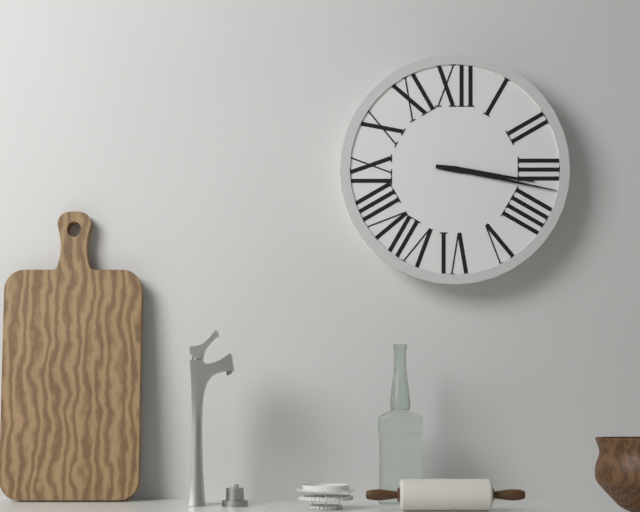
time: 3:17
